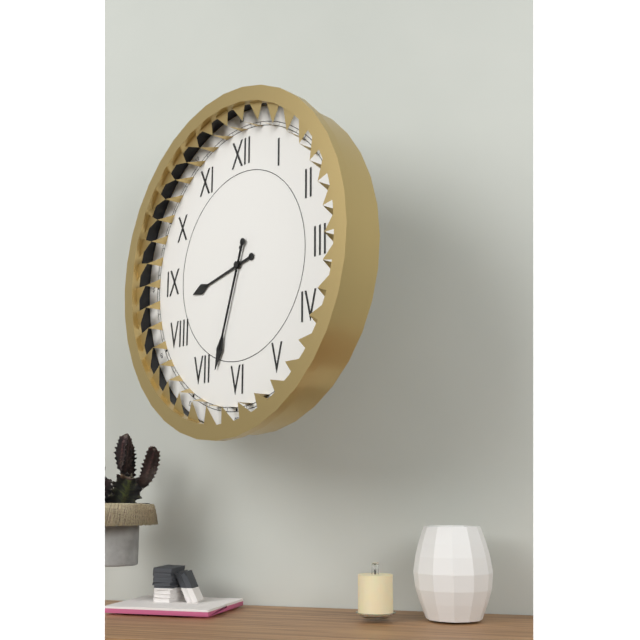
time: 8:33:33
